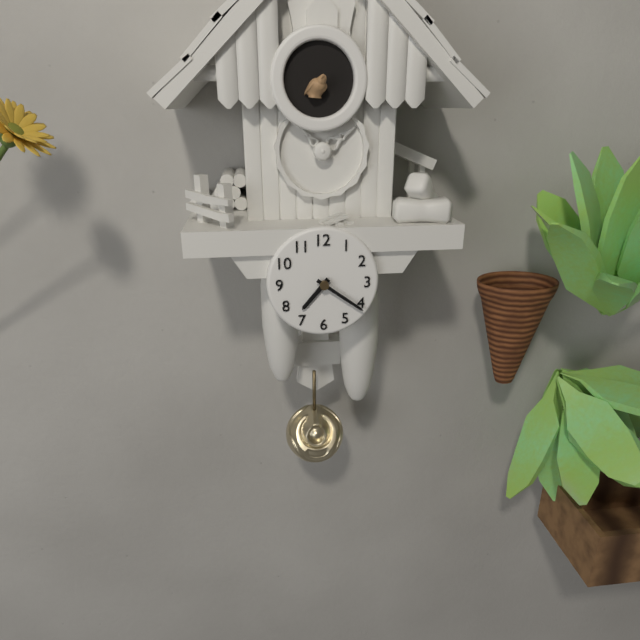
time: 7:21
